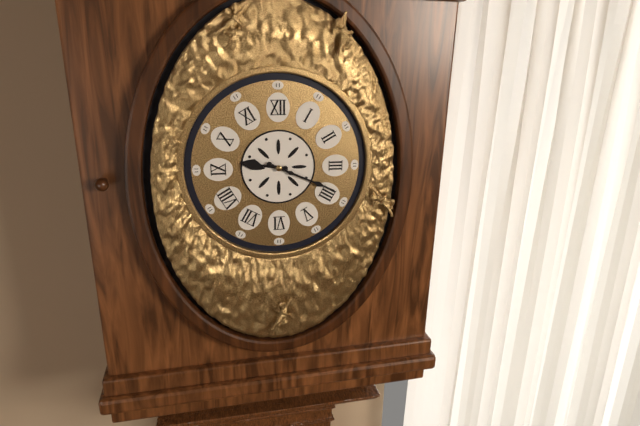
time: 9:19
